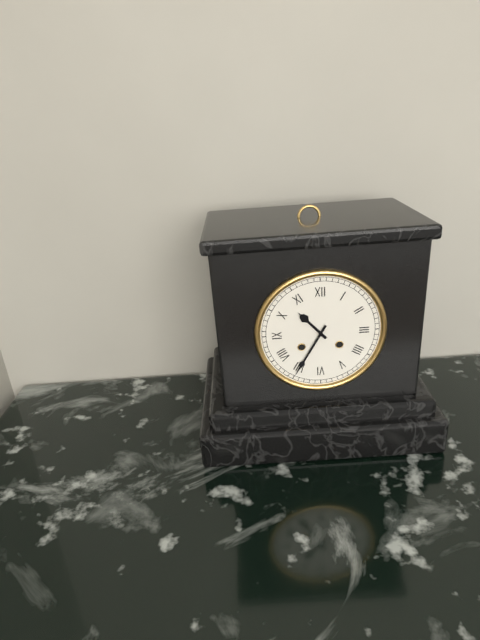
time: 10:35
